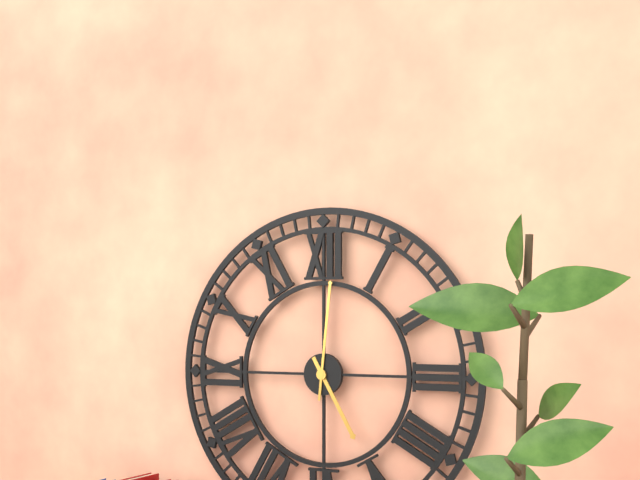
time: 5:01
